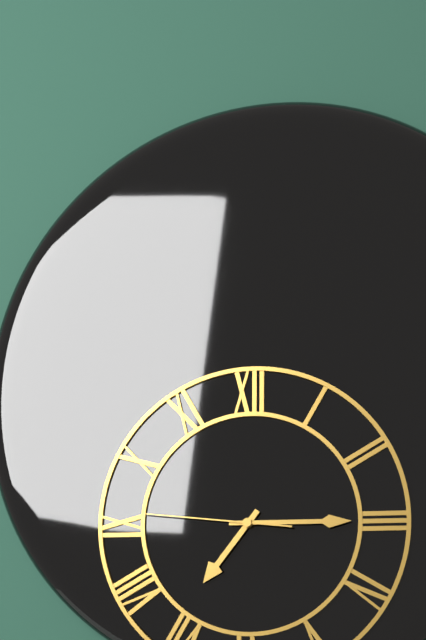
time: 7:15:46
